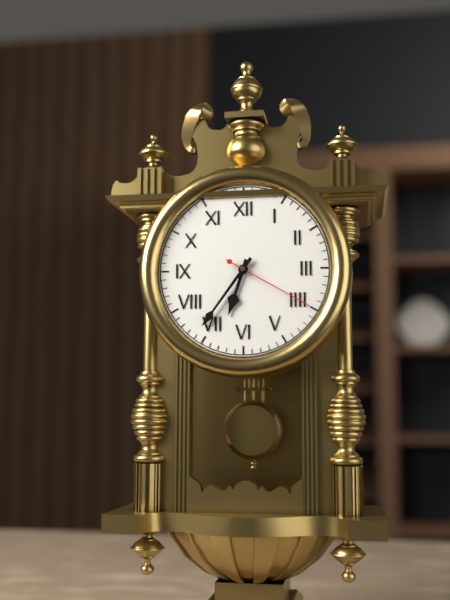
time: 6:36:20
